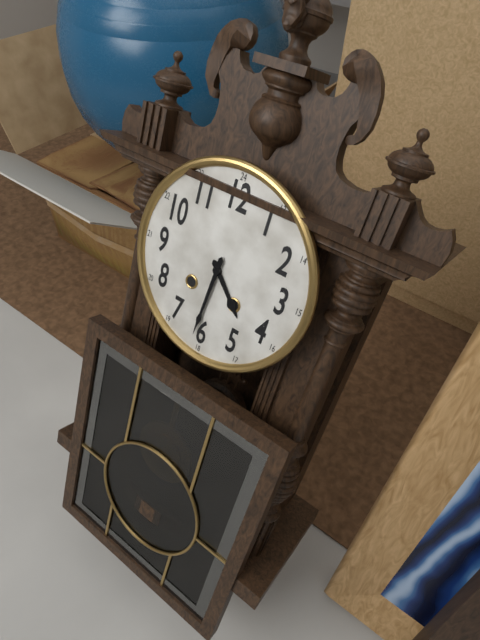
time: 4:31
